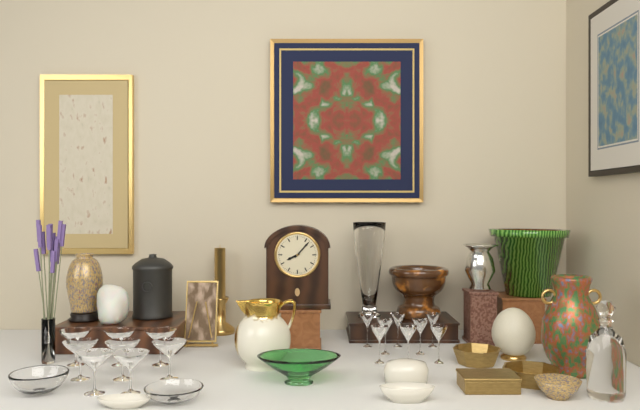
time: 8:07
